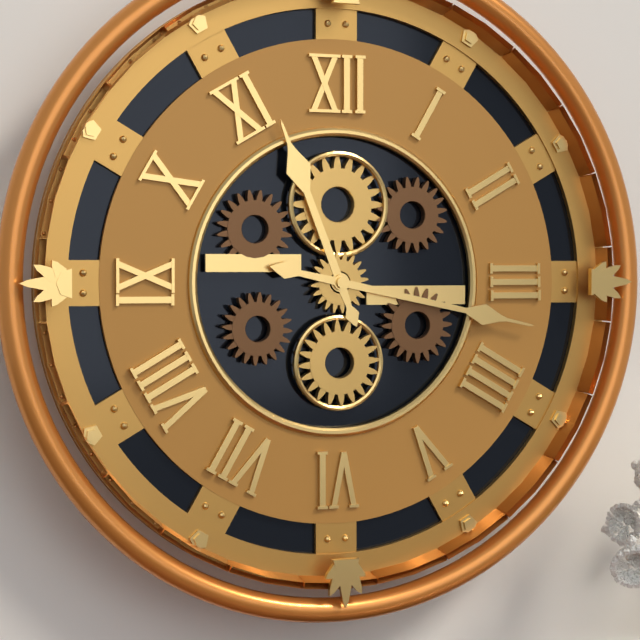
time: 11:17
